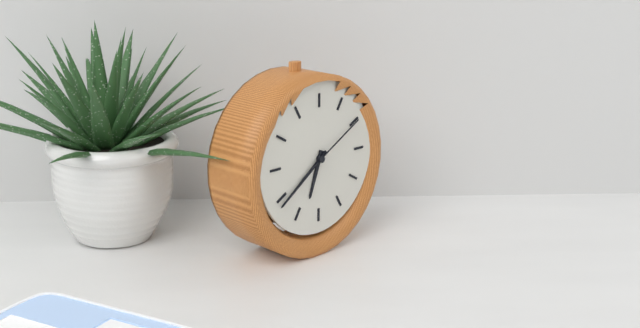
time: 6:39:10
